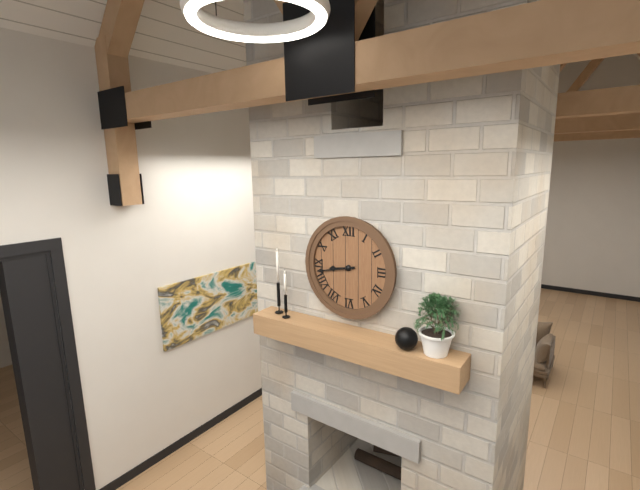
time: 8:43
